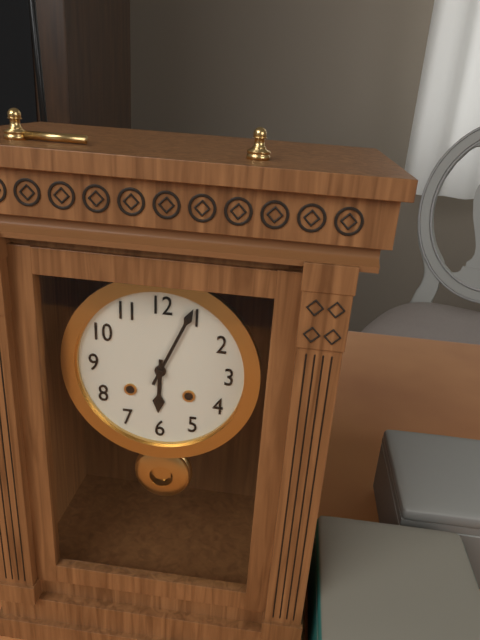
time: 6:04
